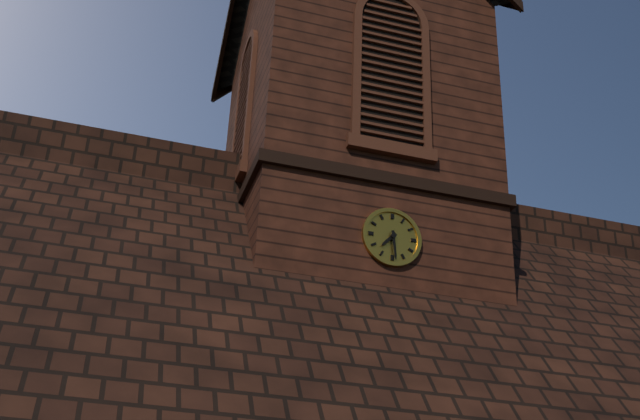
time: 7:29
